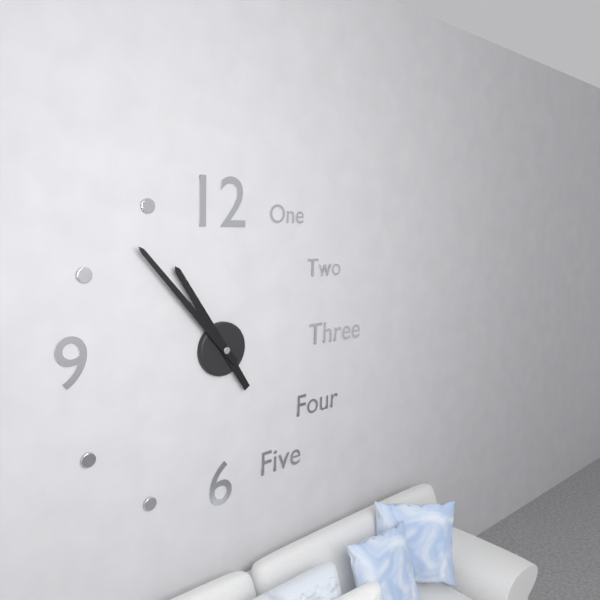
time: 10:53
